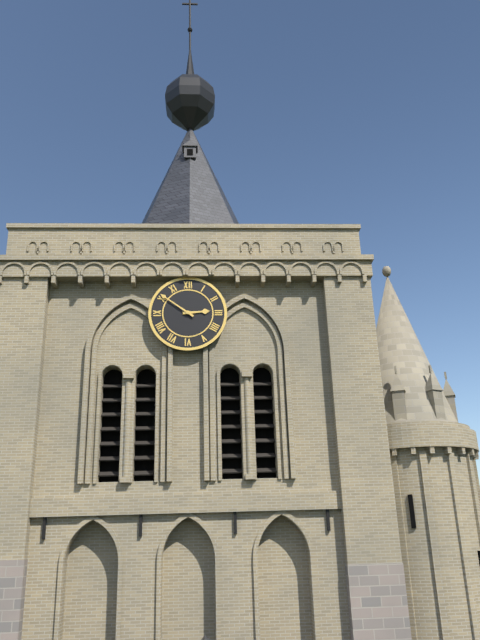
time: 2:51
